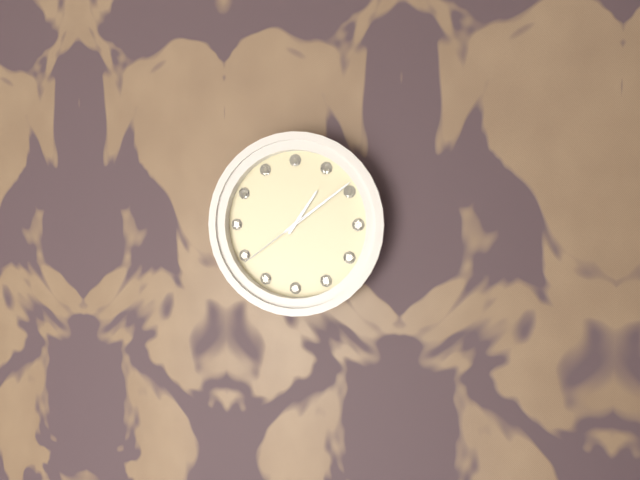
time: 1:09:39
